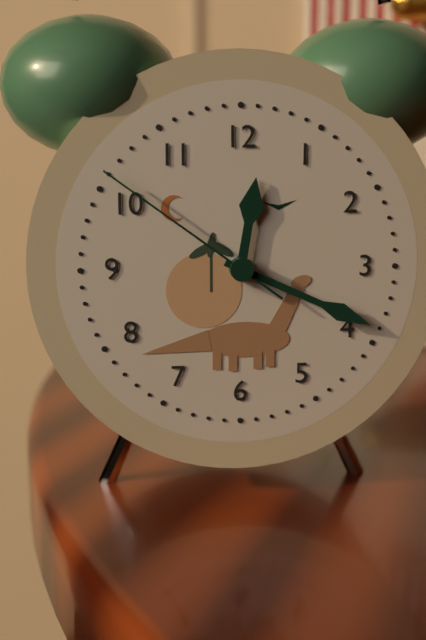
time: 12:19:51
